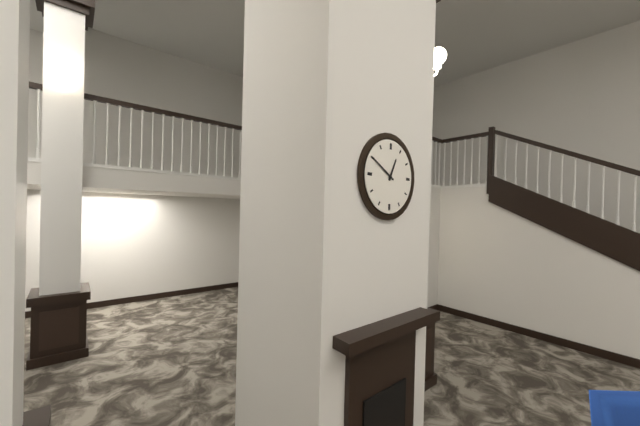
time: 12:50
